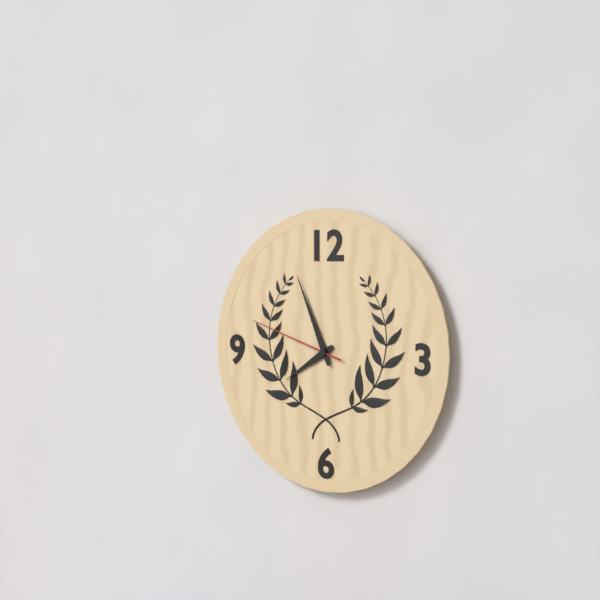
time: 7:56:48
